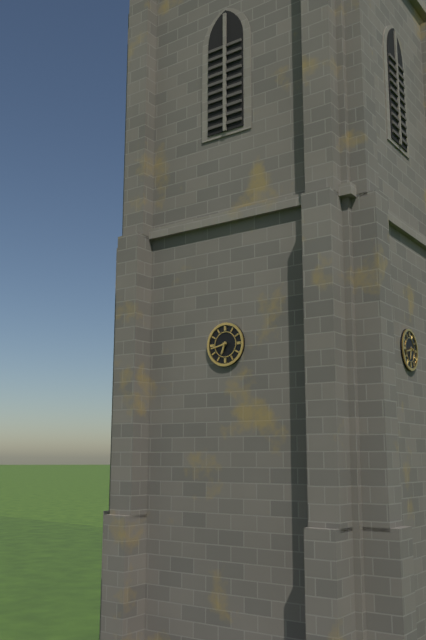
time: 6:43
